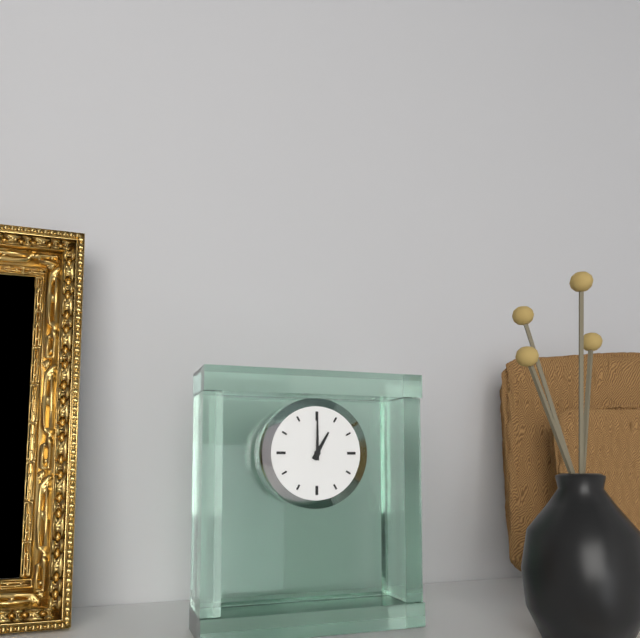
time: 1:00
